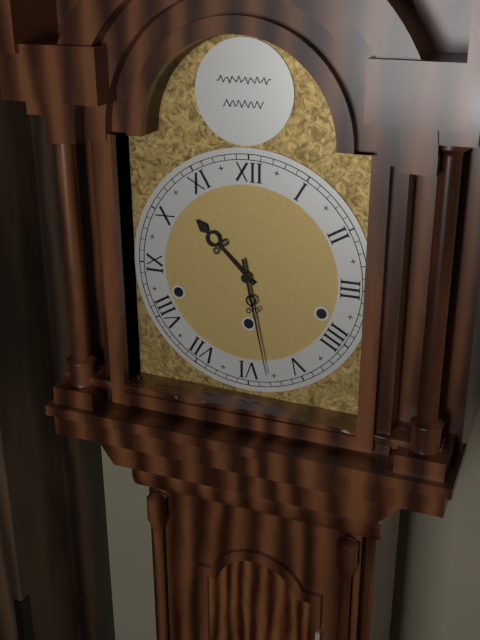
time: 10:28
